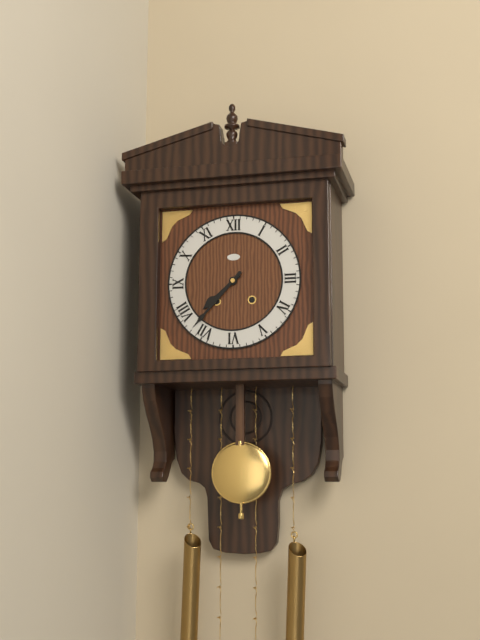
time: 7:37
